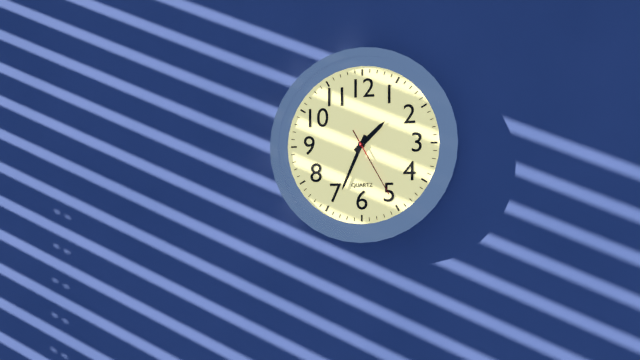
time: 1:34:25
